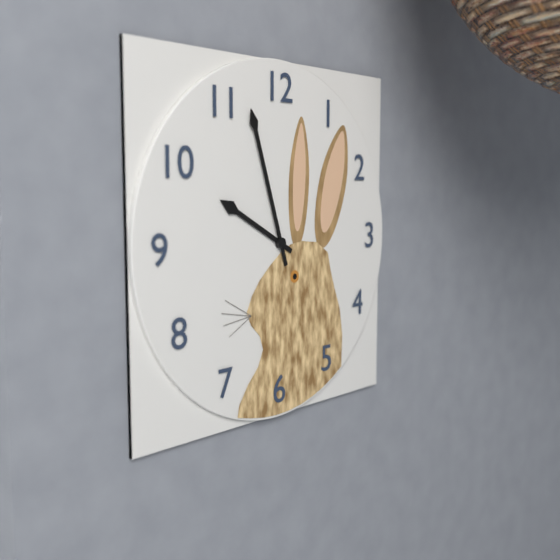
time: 9:57
